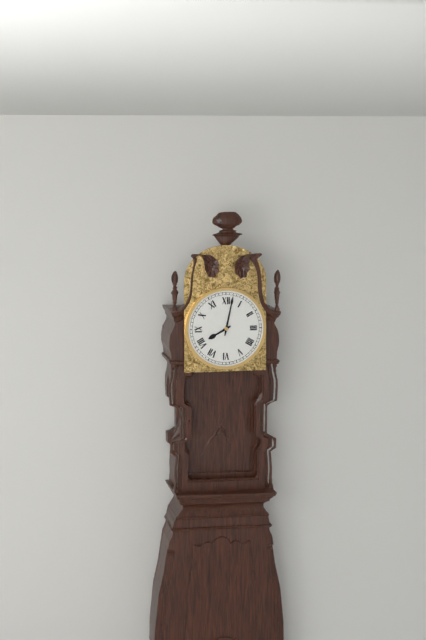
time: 8:02
